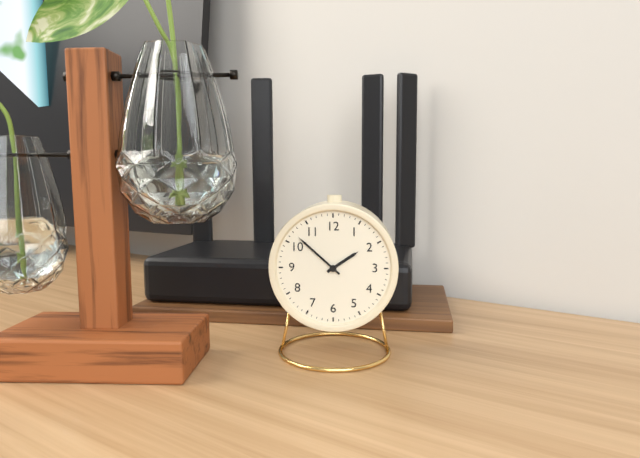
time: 1:52
